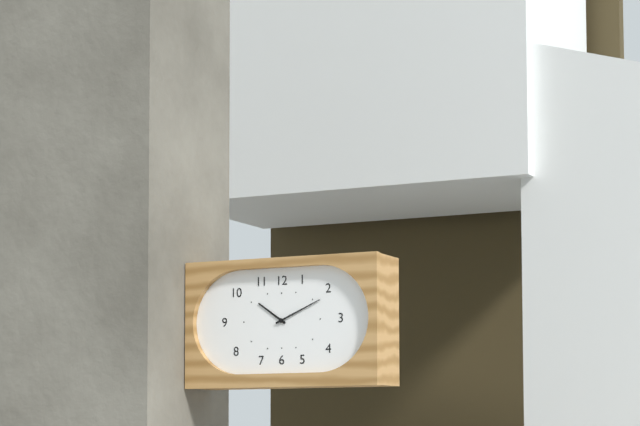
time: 10:11
